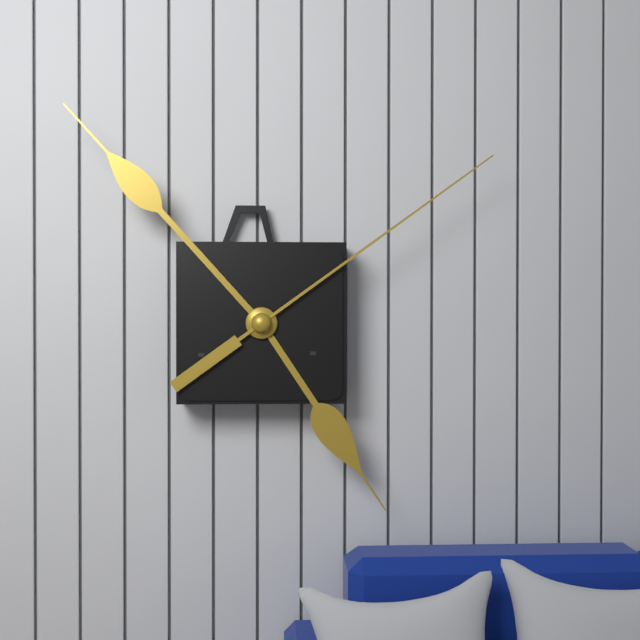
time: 4:53:09
